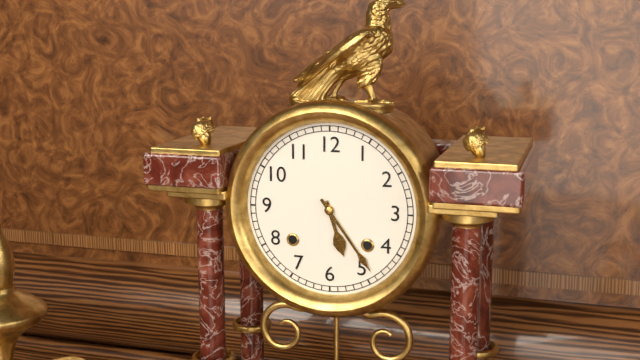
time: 5:24
